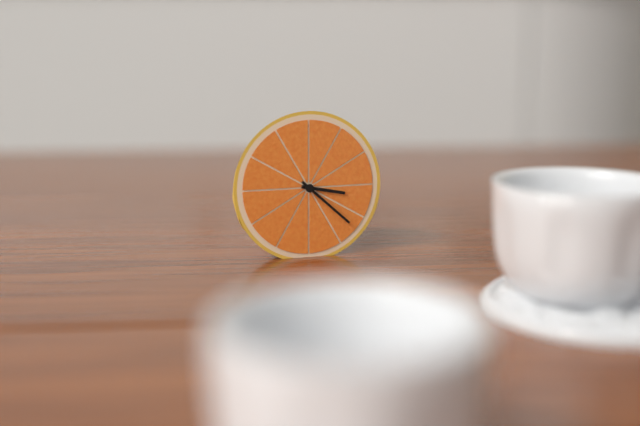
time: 3:22
